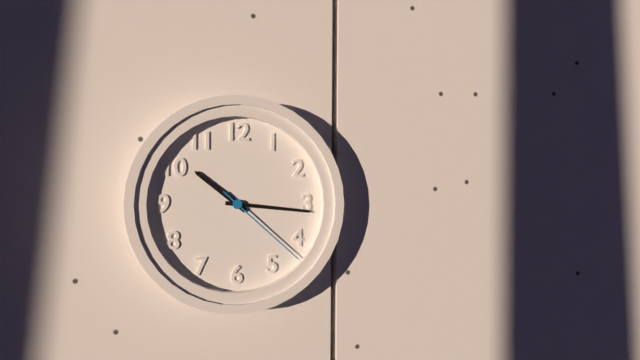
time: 10:16:22
